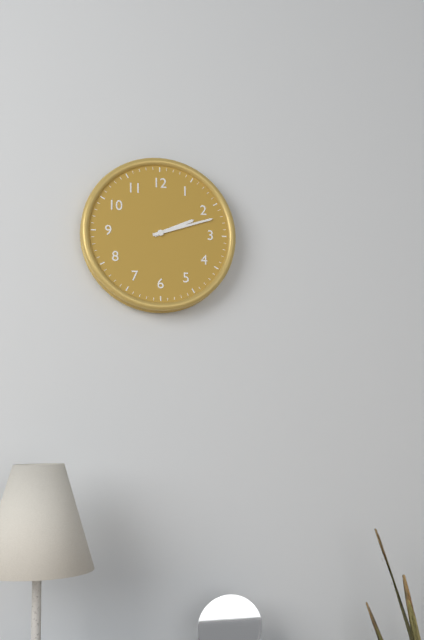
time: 2:12
